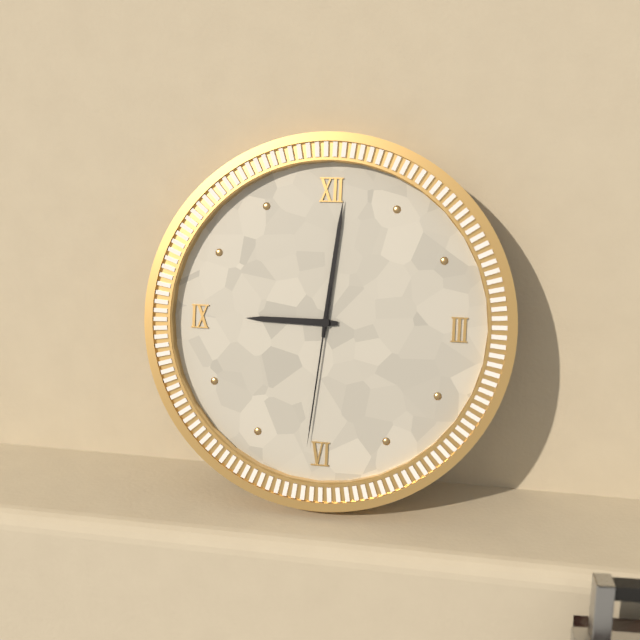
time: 9:01:31
